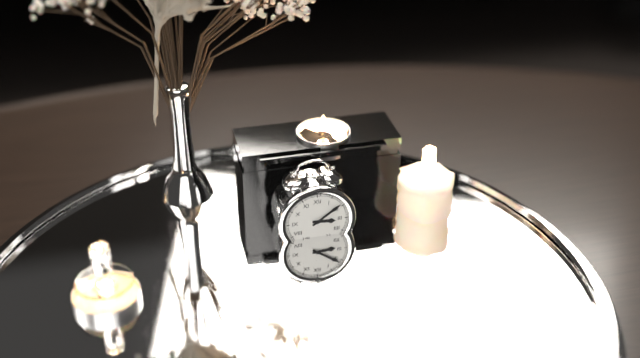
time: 3:09
